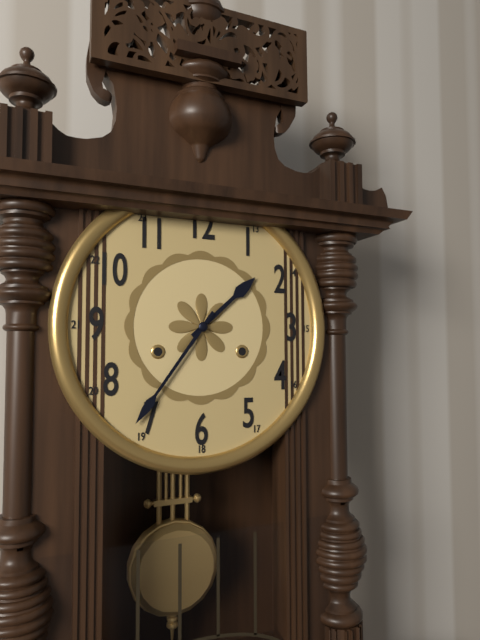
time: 1:36
